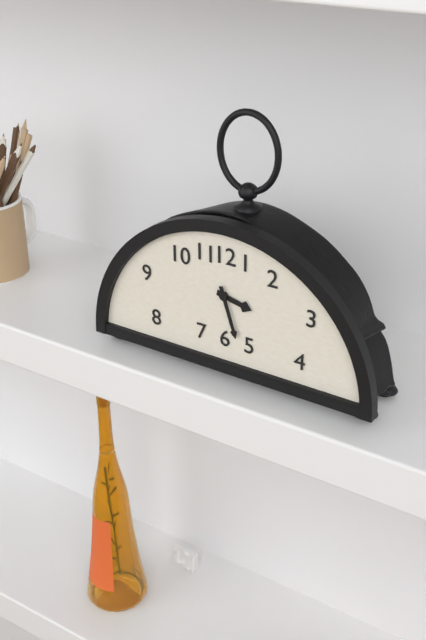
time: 3:27
